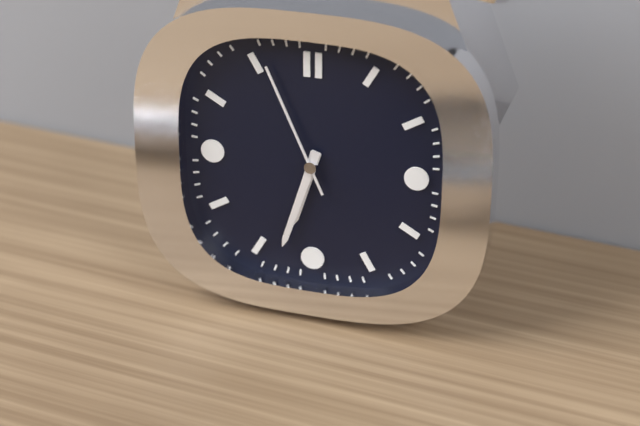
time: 6:33:56
